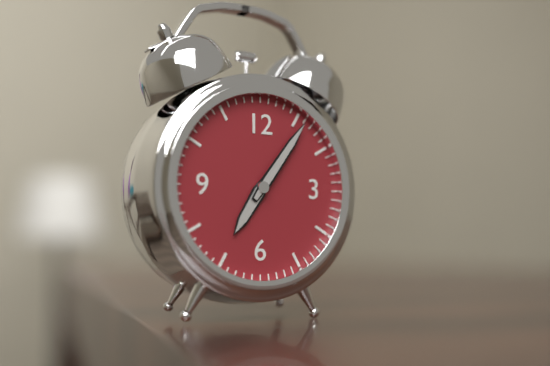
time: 7:06
